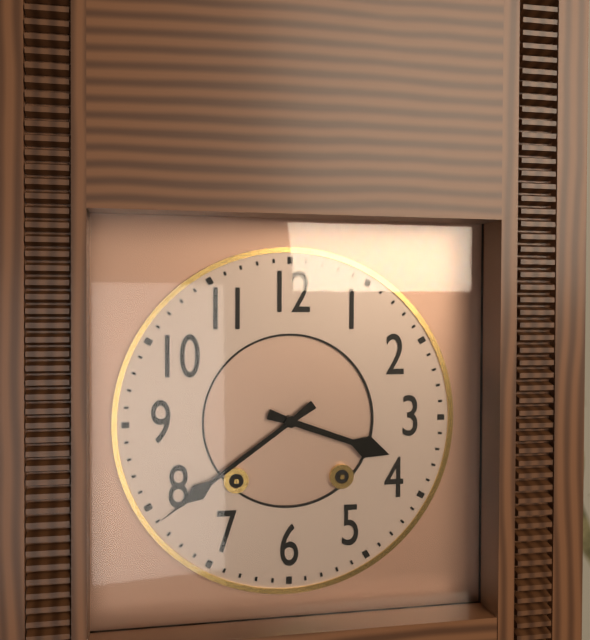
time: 3:39
